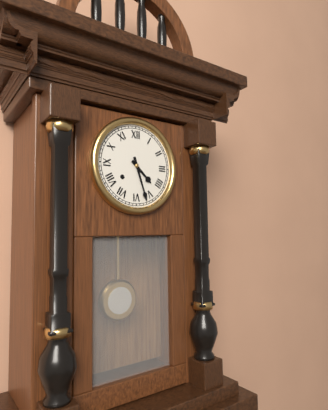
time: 4:27
